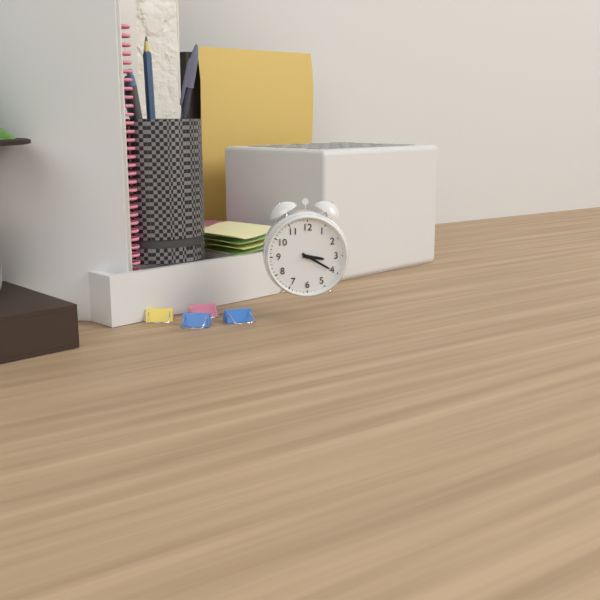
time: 3:20
